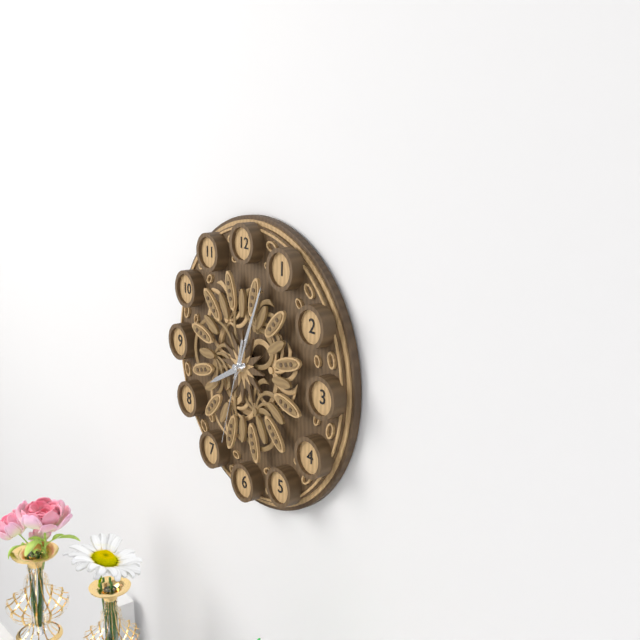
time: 8:04:33
